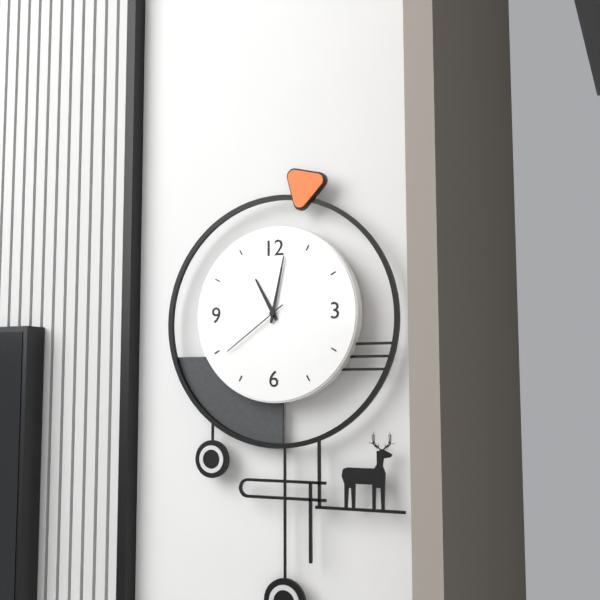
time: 11:02:39
